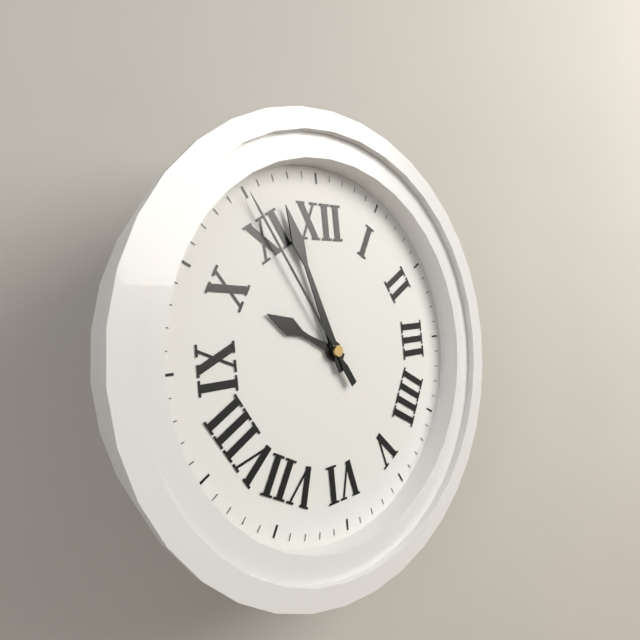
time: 9:57:55
